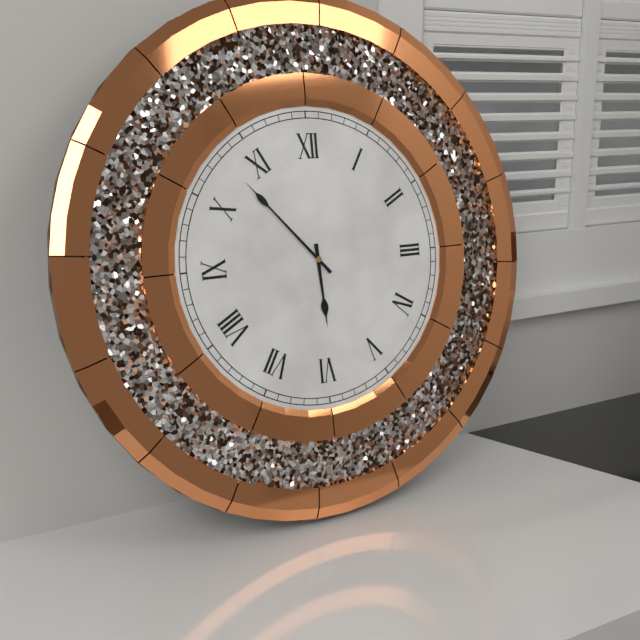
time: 5:53
